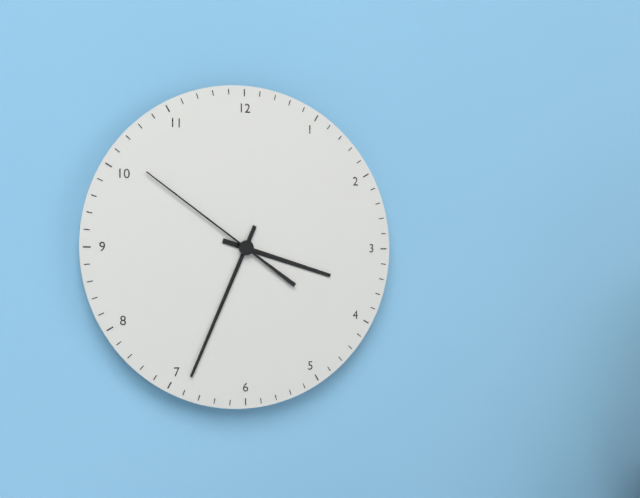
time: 3:34:51
